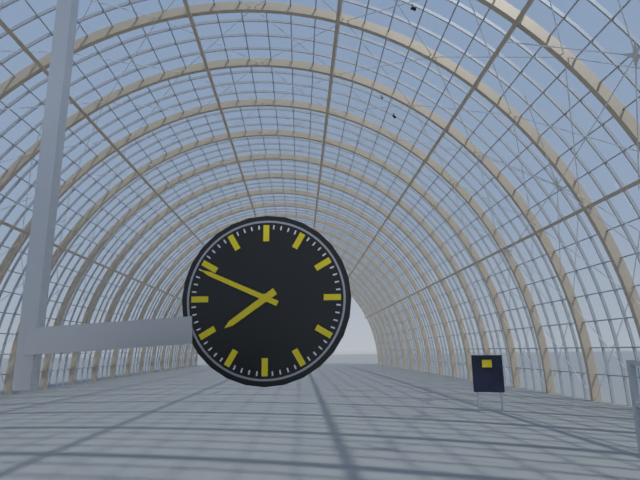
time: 7:49
